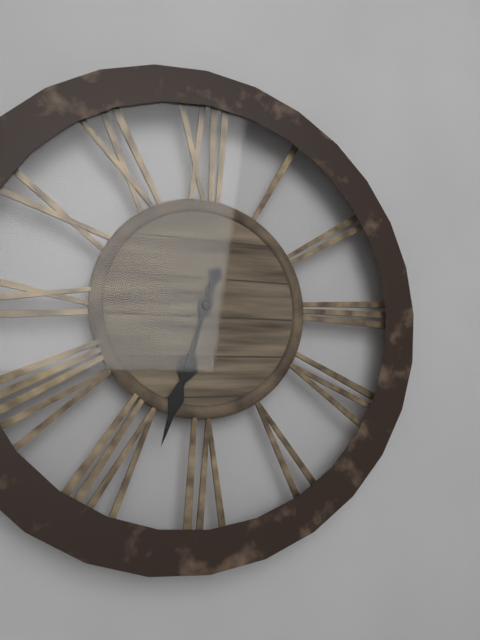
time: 6:33
